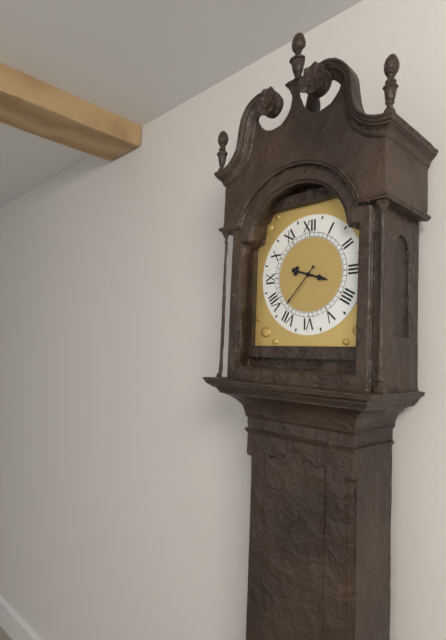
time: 3:37
